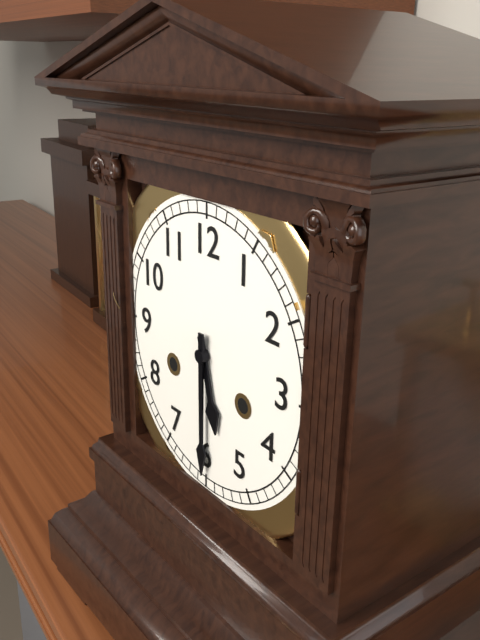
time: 5:30
